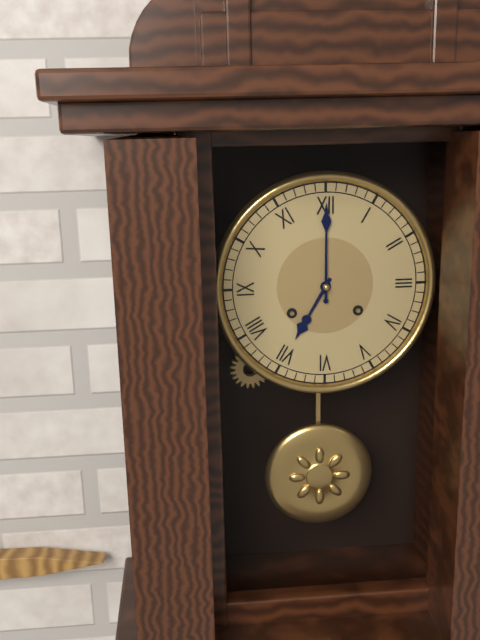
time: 7:00
